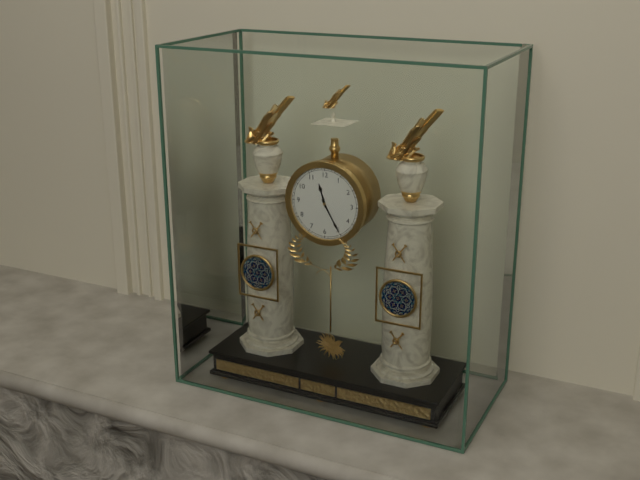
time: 11:25
